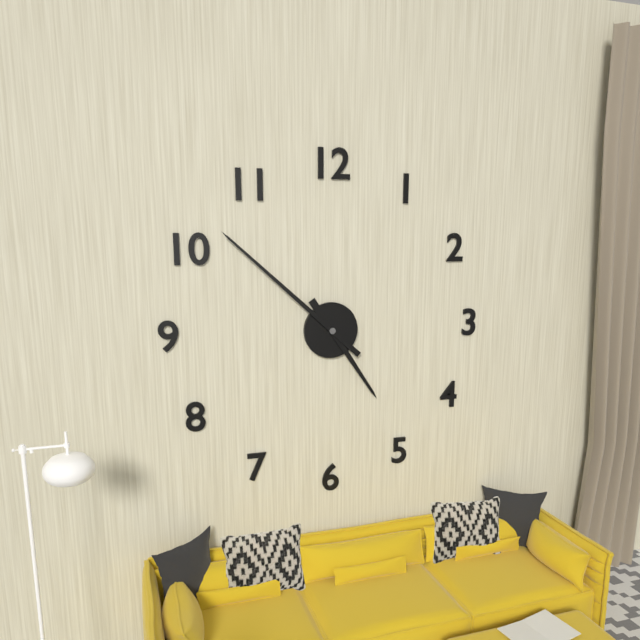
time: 4:52
